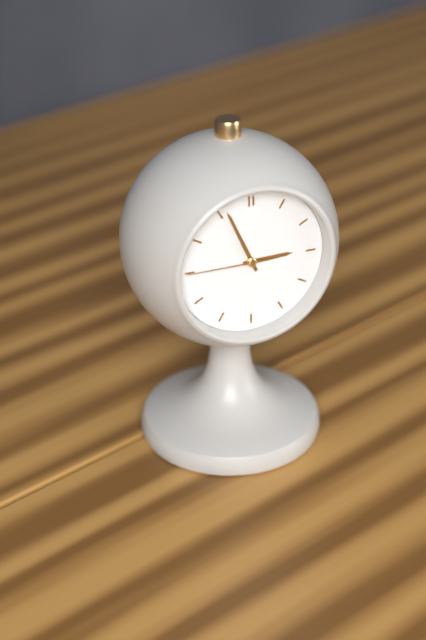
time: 2:56:45
